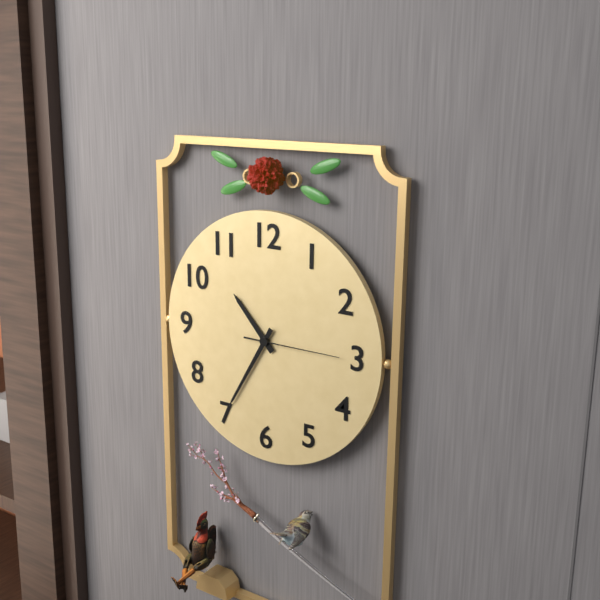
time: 10:35:15
